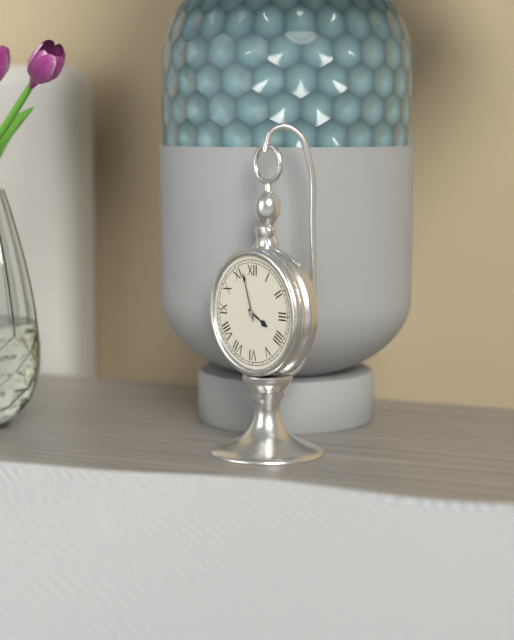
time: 3:57
